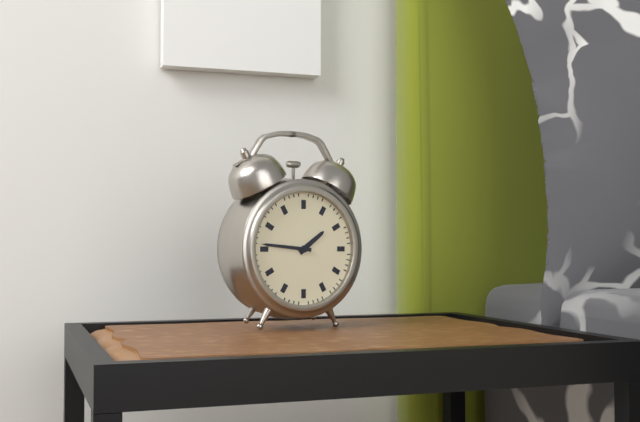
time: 1:46
